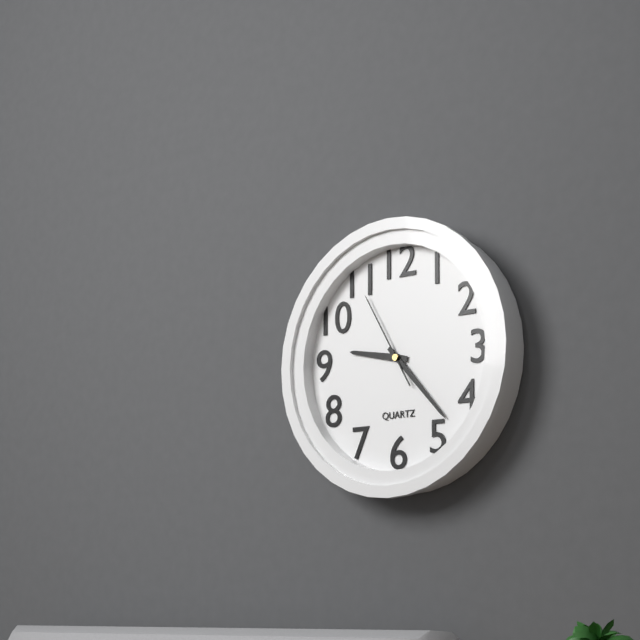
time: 9:23:55
